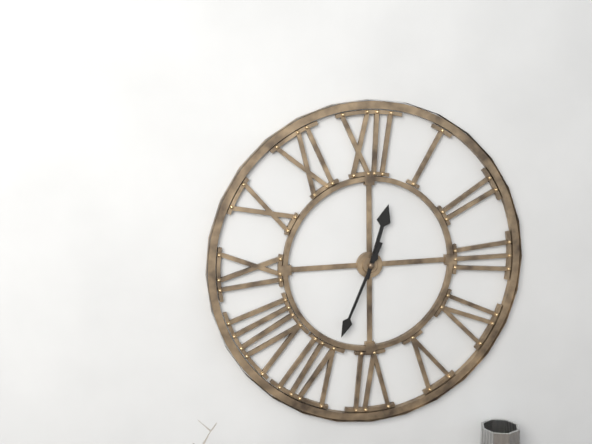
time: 12:34
